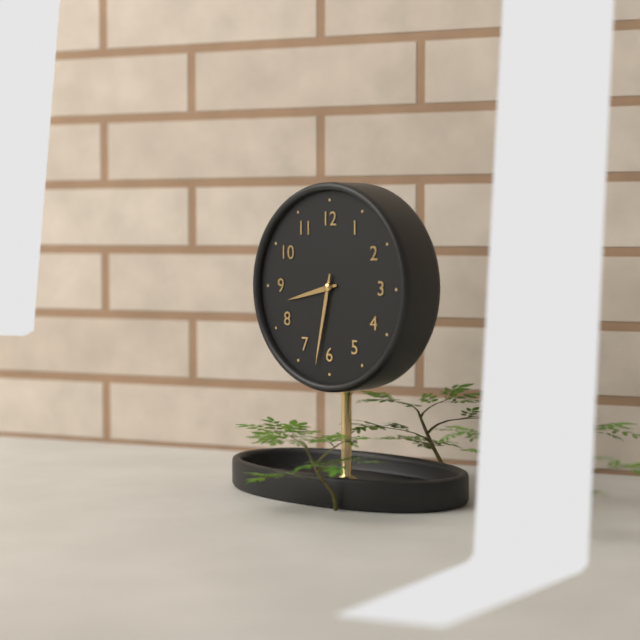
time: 8:32
